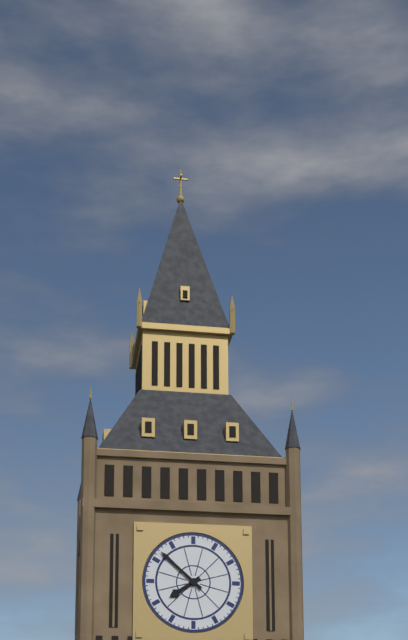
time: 7:52
